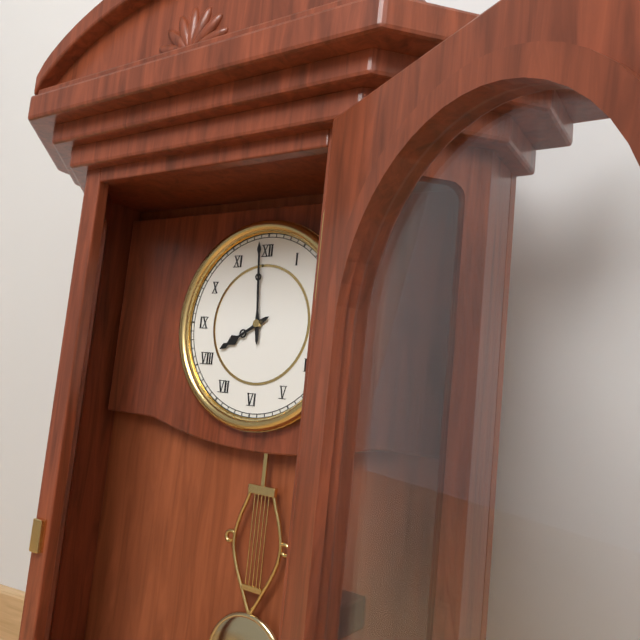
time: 7:59
